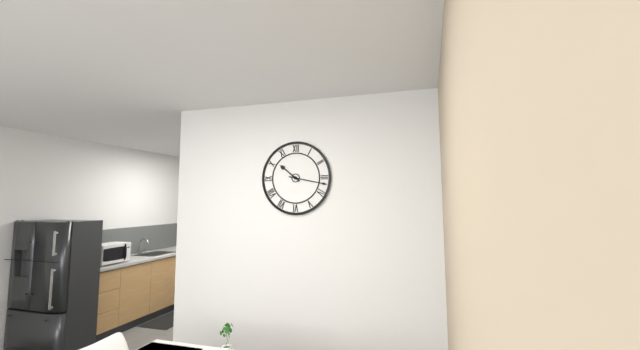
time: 10:17
